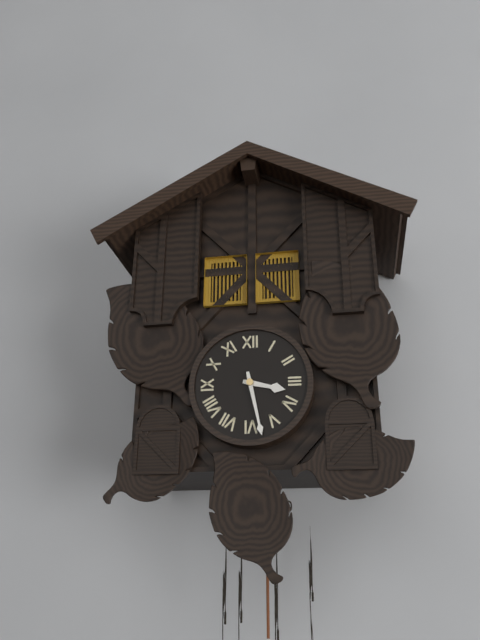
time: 3:28
